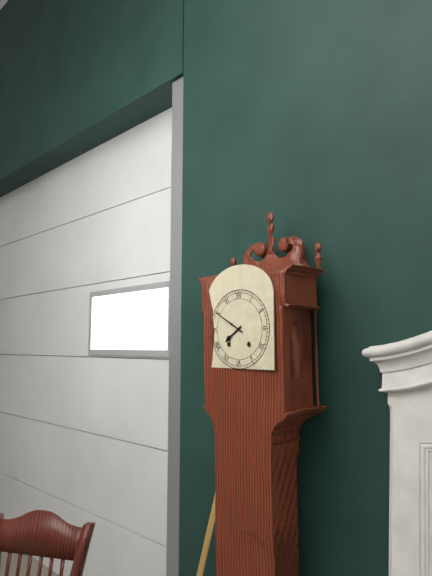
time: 7:50
